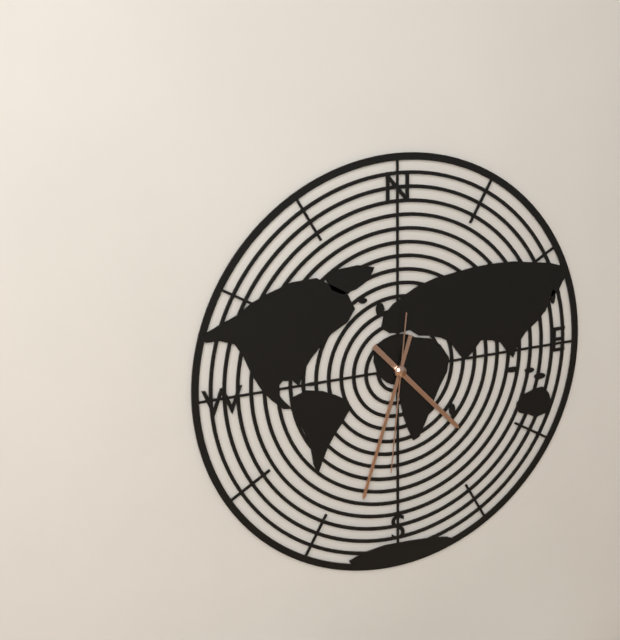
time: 4:33:31
